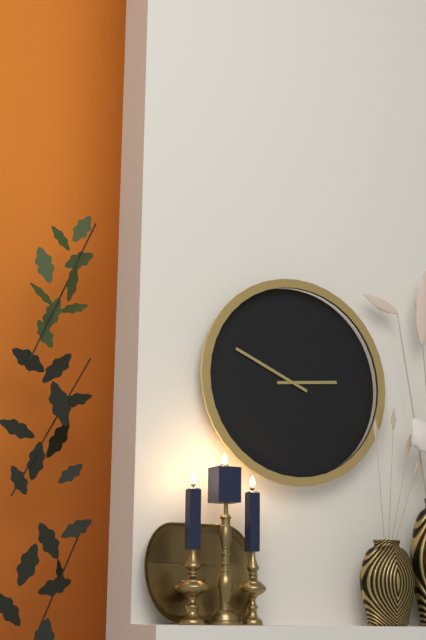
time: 2:49
